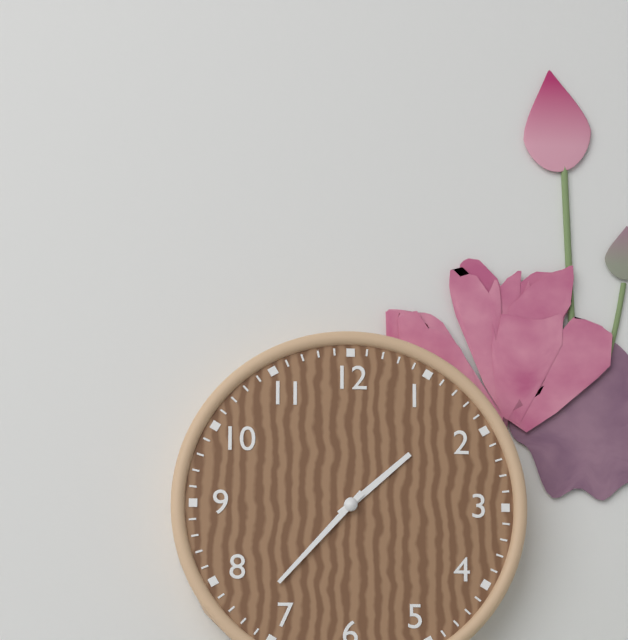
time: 1:37
